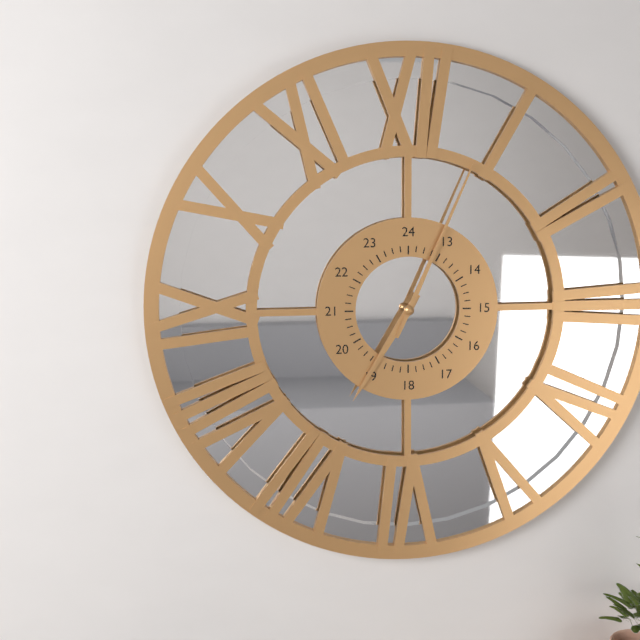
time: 7:04
